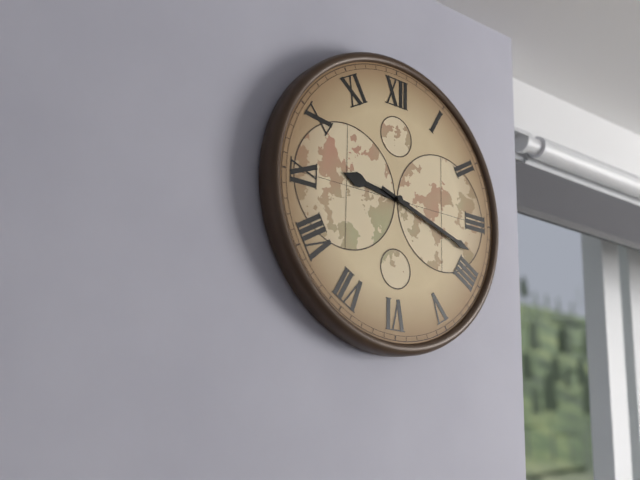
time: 9:18
